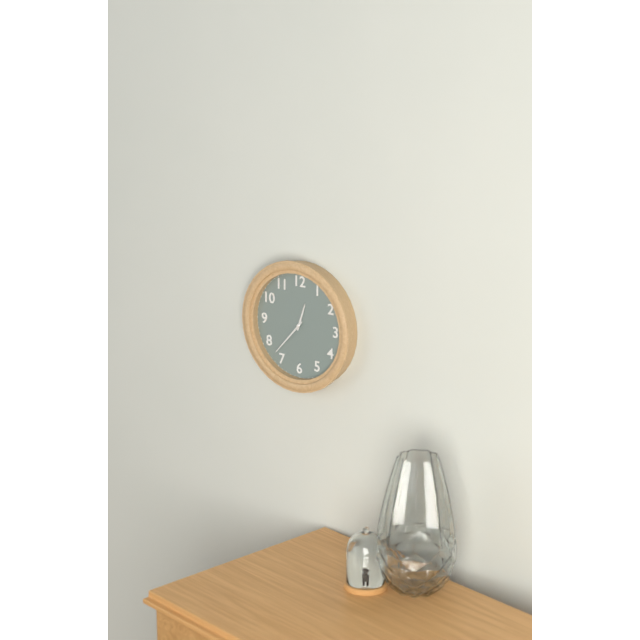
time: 12:37
